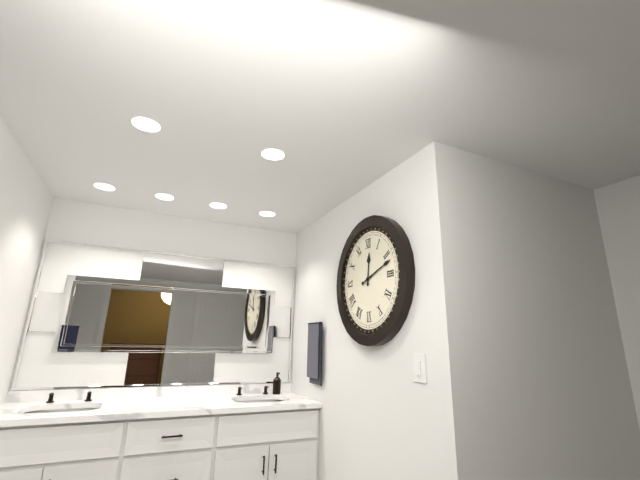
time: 12:12
